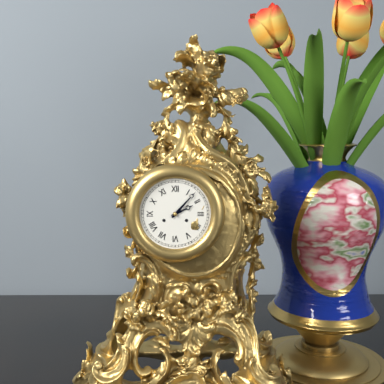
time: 2:07
